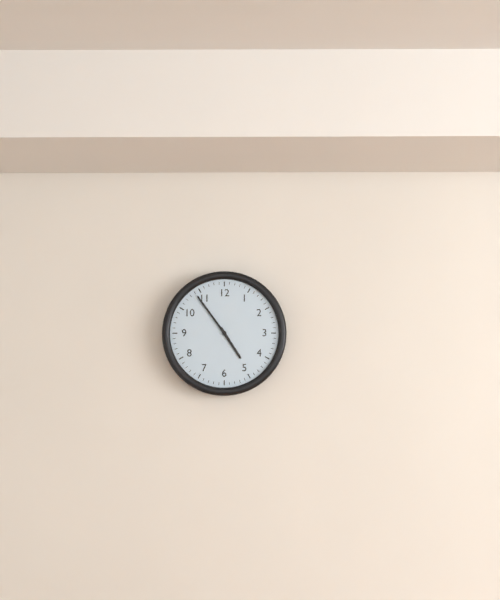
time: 4:54
